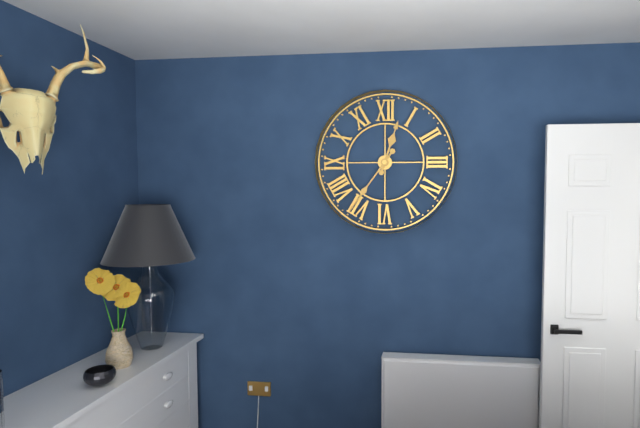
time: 12:36
